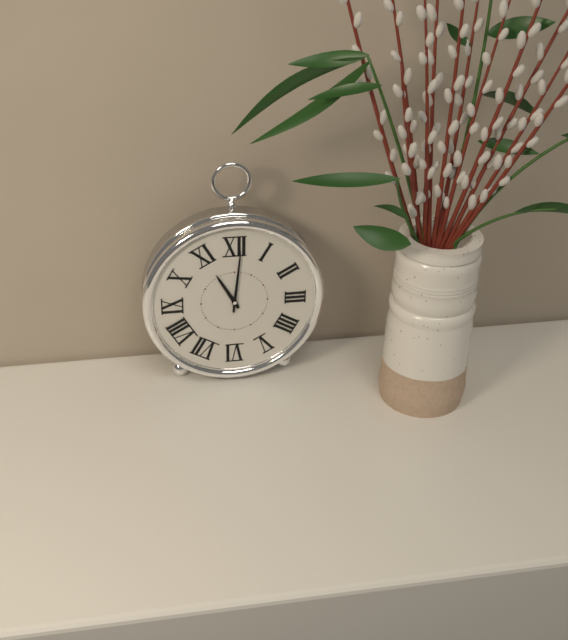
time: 11:01
